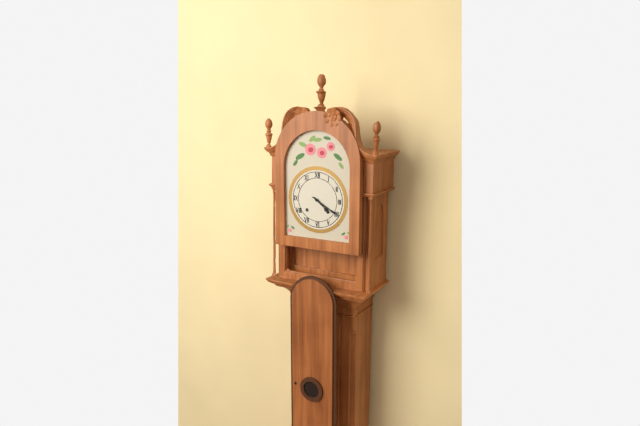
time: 4:20
